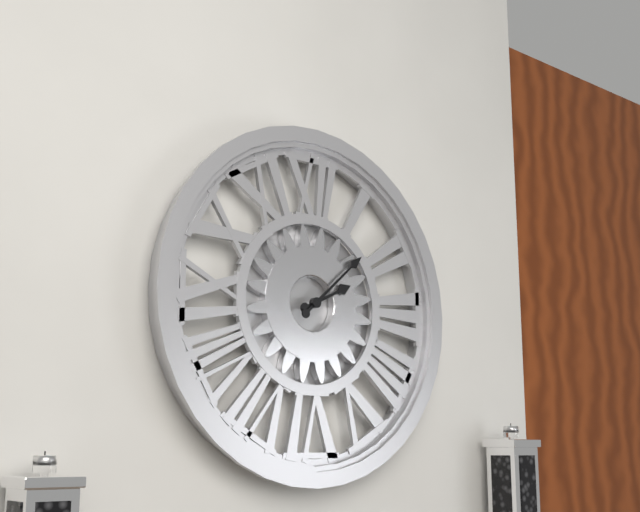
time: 2:08
